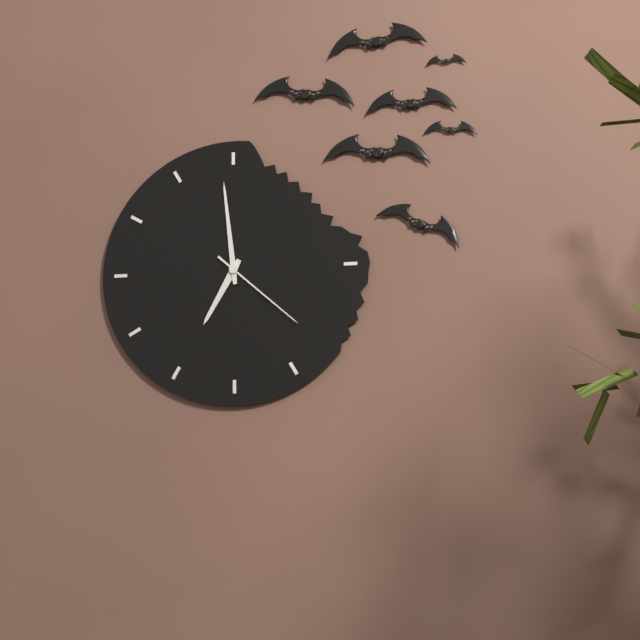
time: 6:59:22
